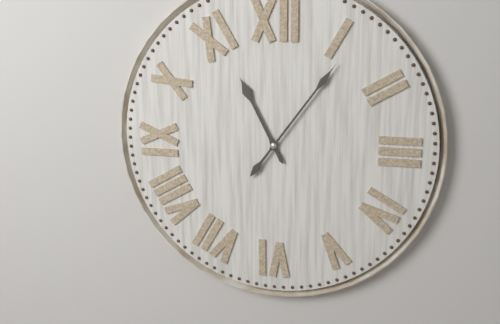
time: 11:06
